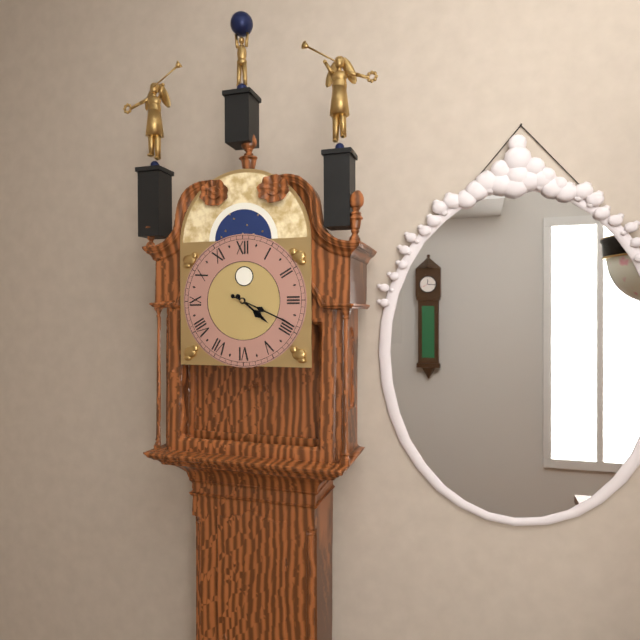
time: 4:19
